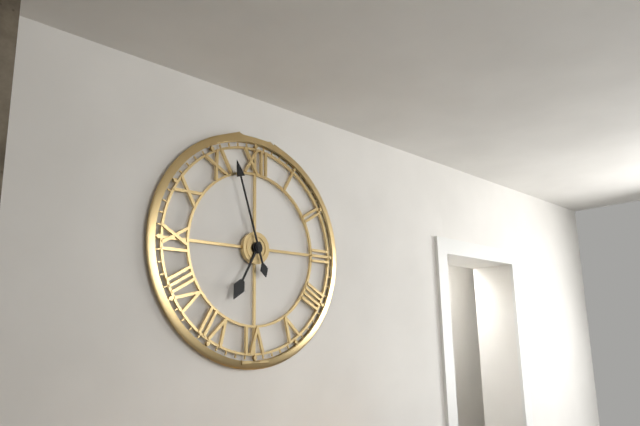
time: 6:57
